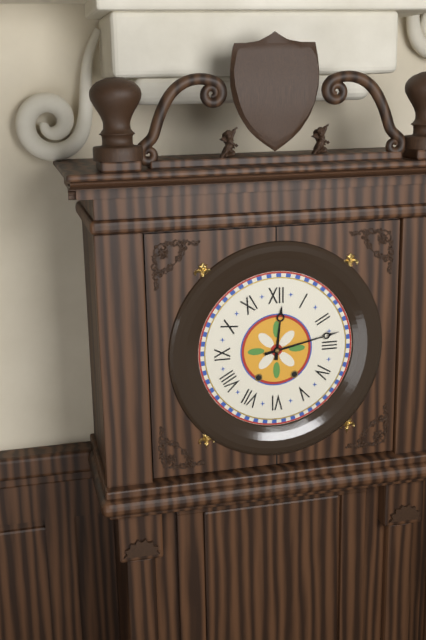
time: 12:13
